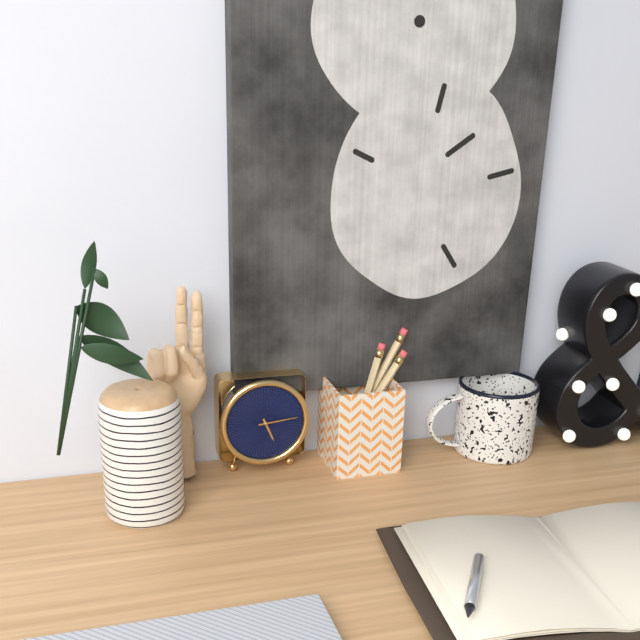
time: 5:14
